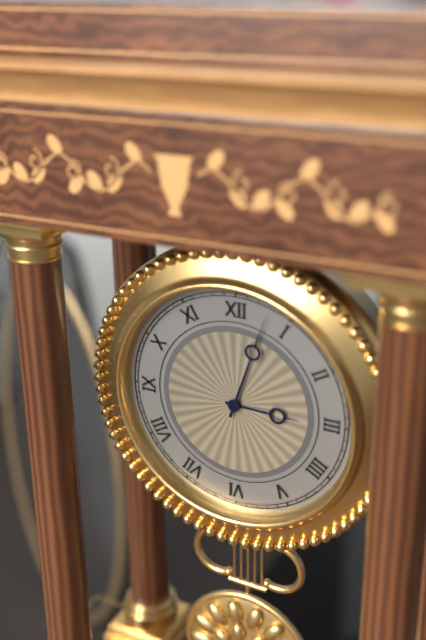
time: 3:03
